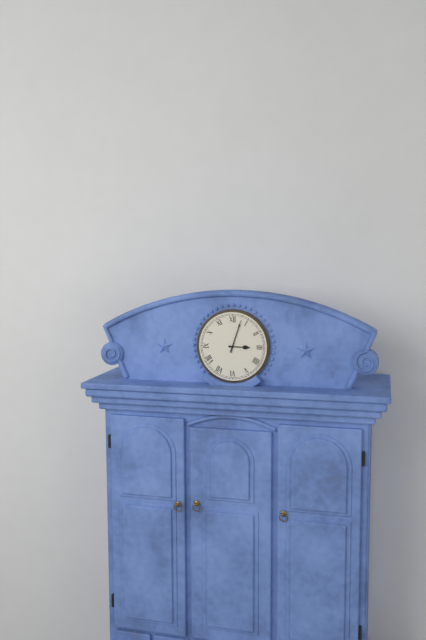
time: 3:03
